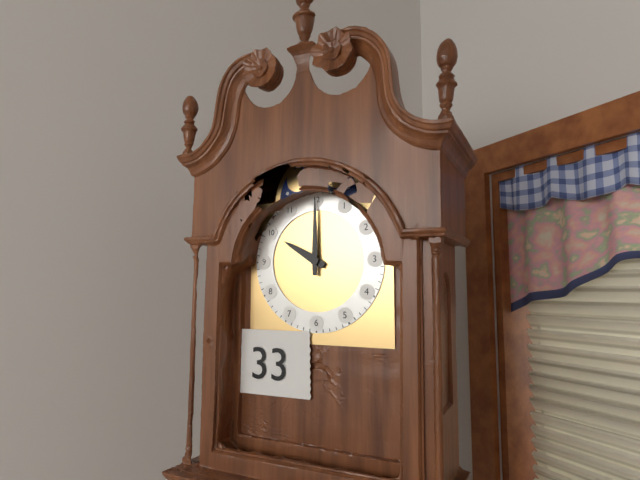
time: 10:00
